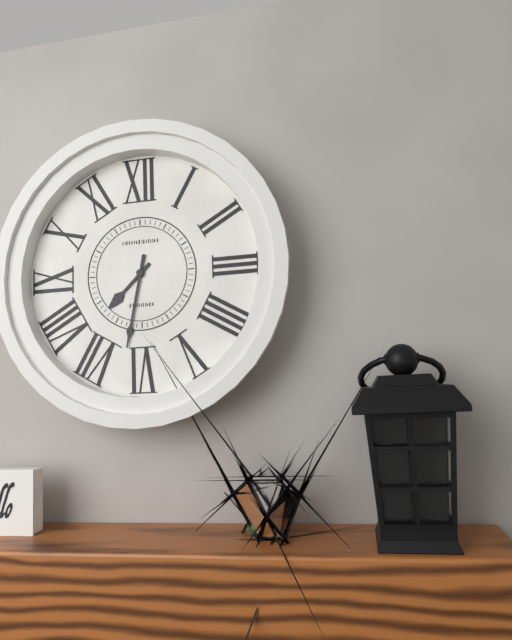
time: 7:32
